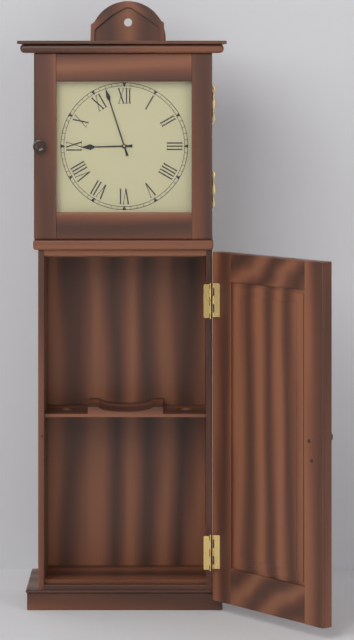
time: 8:57
